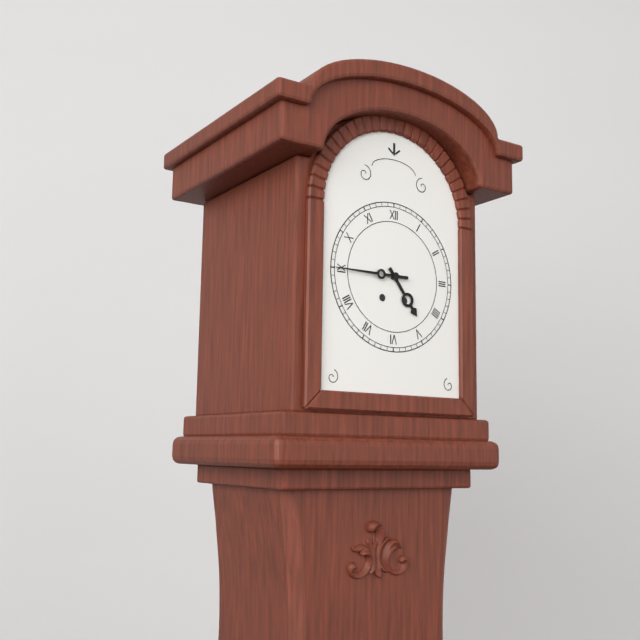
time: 4:45
